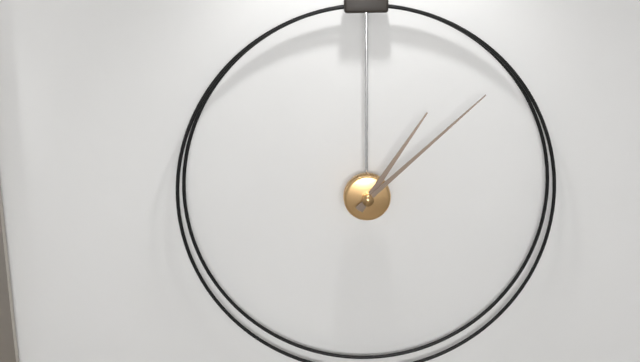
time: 1:08
